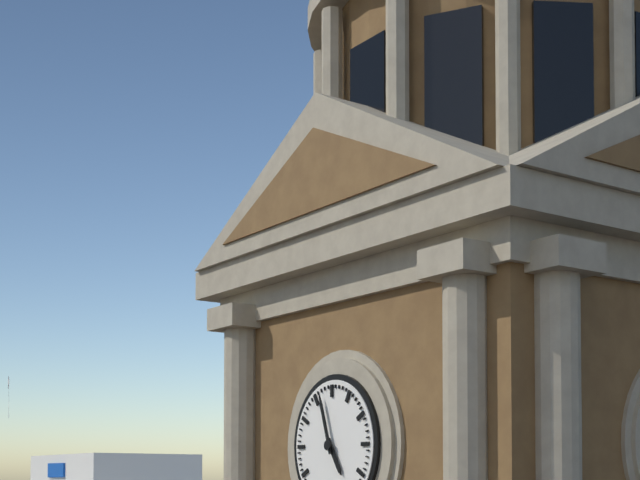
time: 4:57
